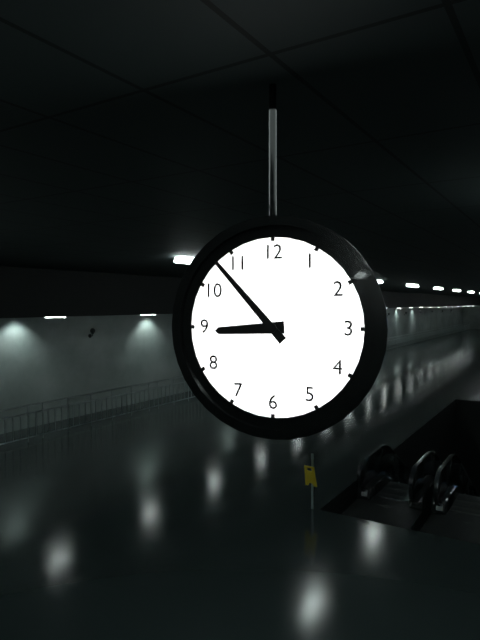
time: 8:53
